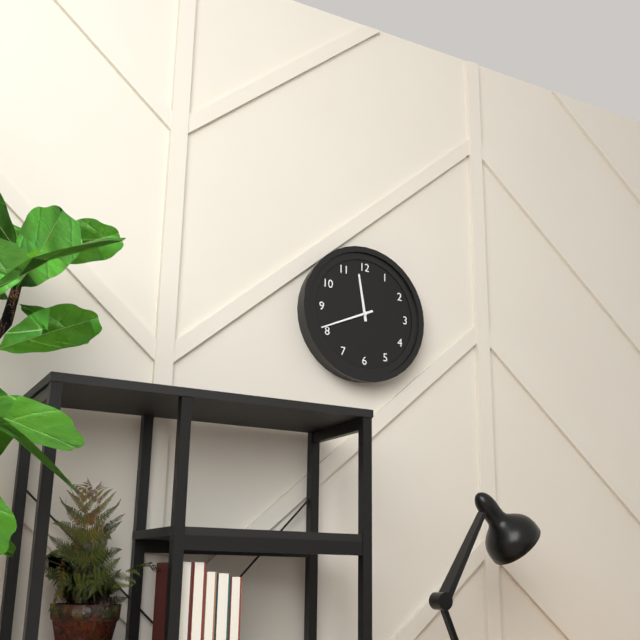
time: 11:41
